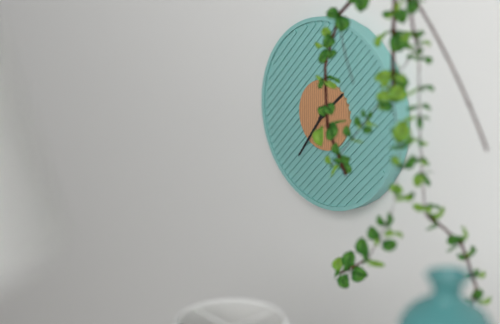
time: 1:36
